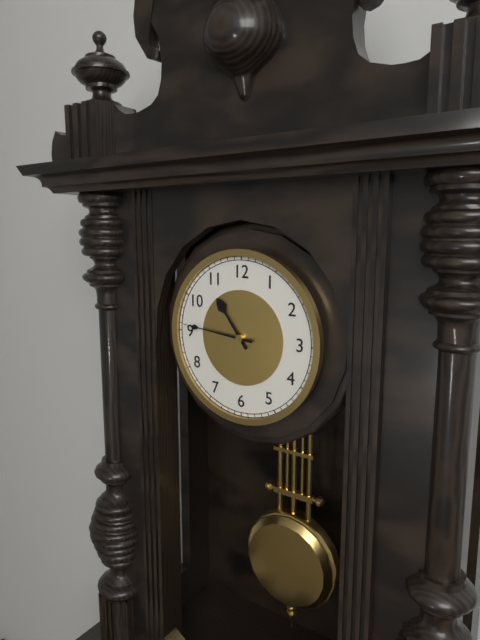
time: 10:46
